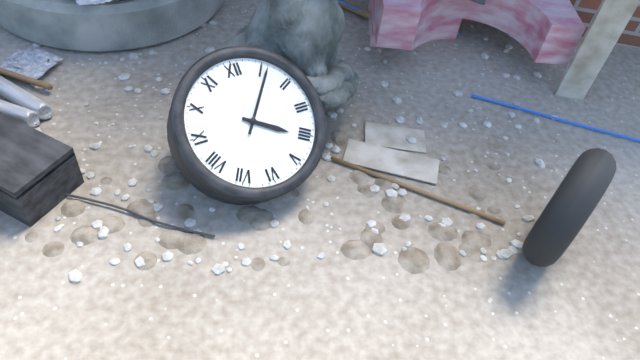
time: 4:06
